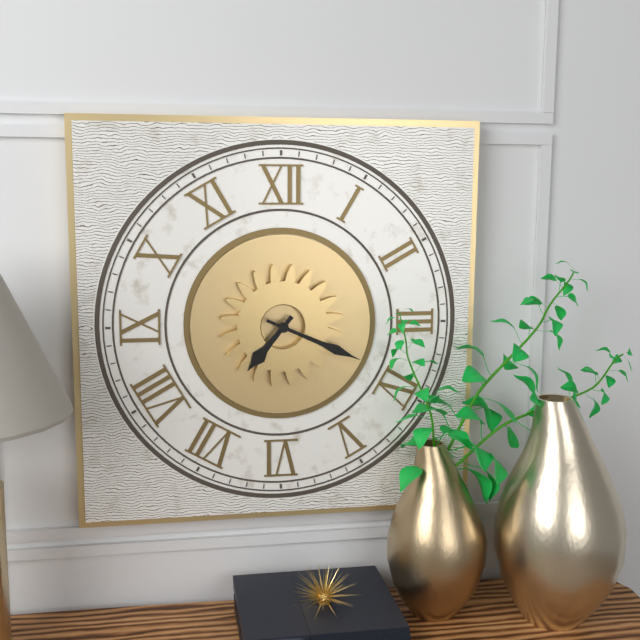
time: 7:19
